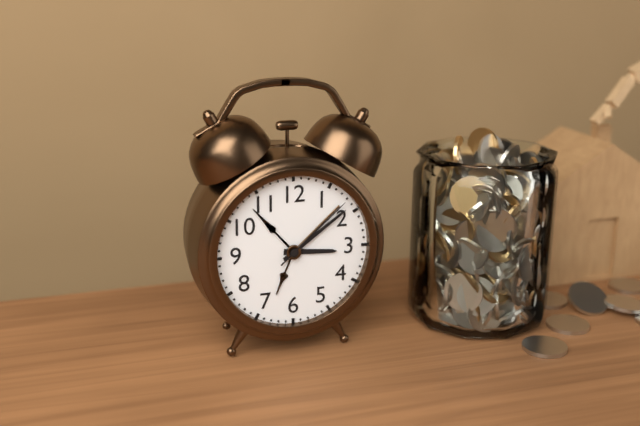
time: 3:09:08
